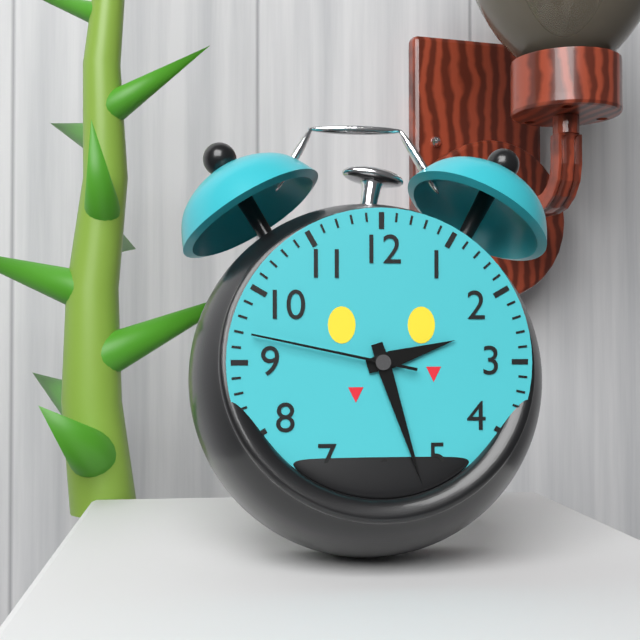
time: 2:27:47
